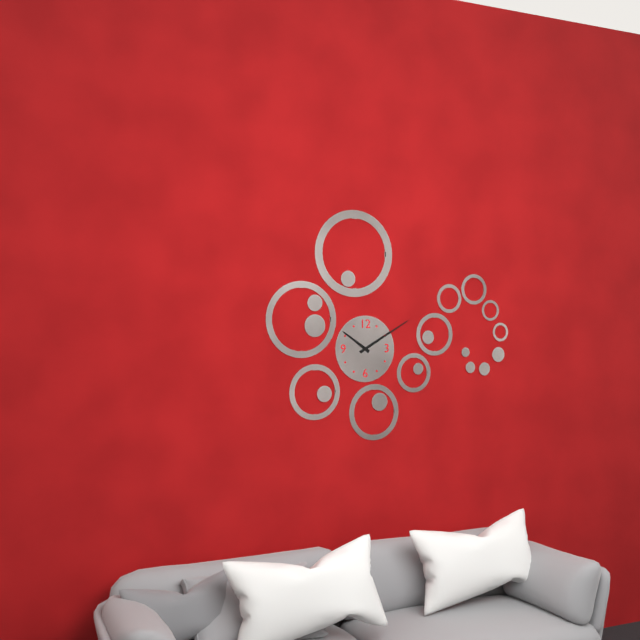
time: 10:10
